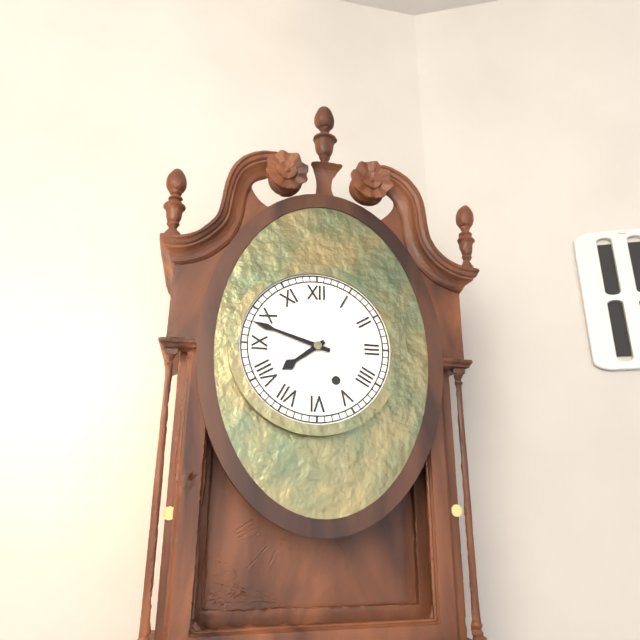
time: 7:48
